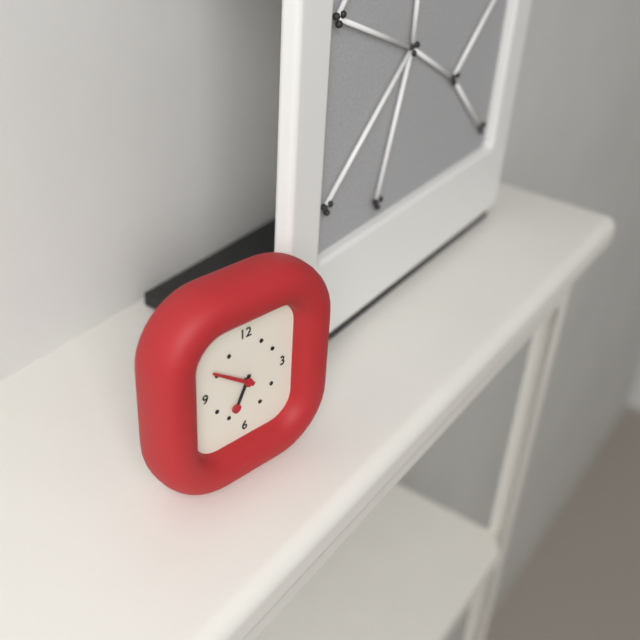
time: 6:51
